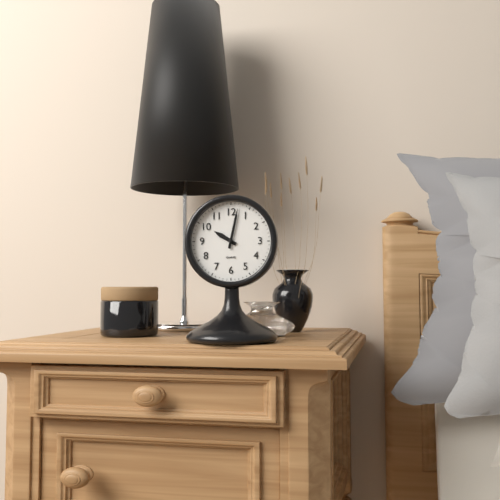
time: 10:02
